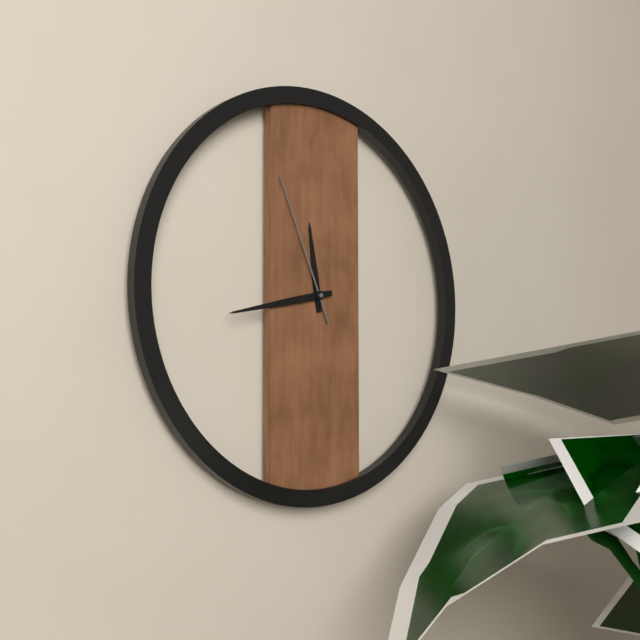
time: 11:43:56
